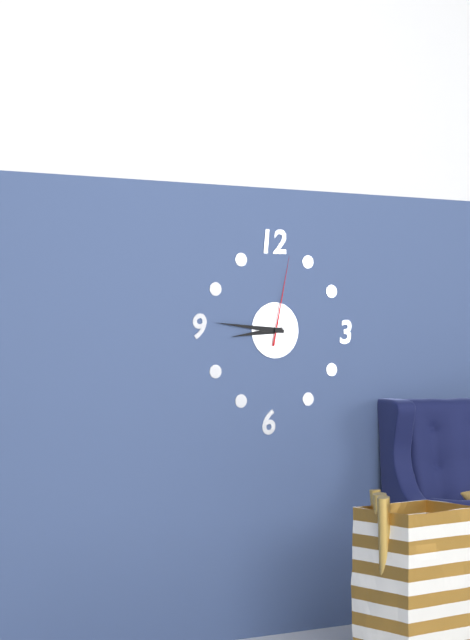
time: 8:46:02
